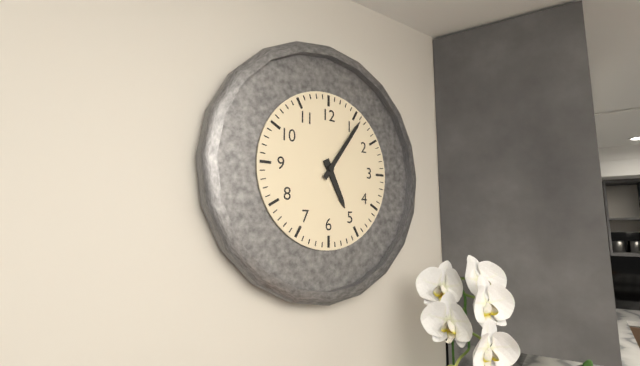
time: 5:06
